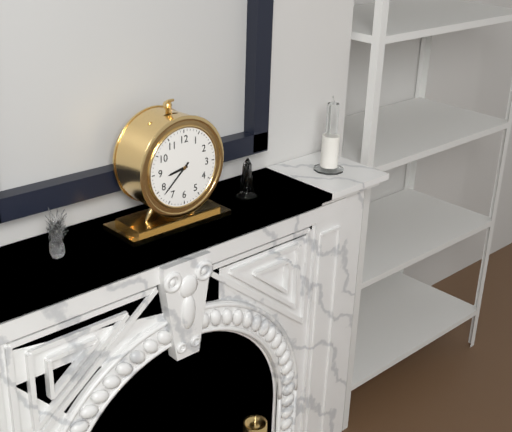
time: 8:38
